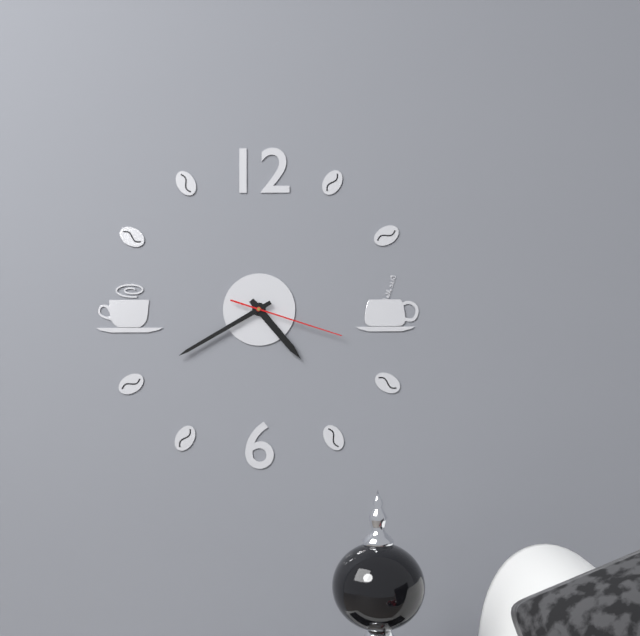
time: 4:40:18
